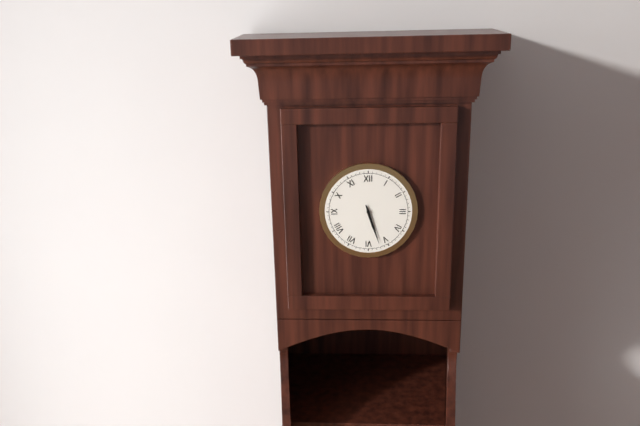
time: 5:27
